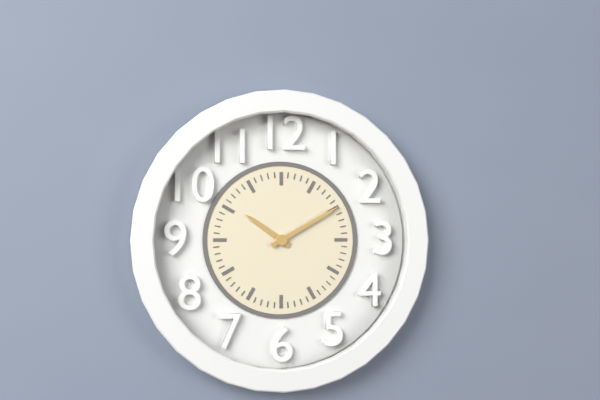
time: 10:10
